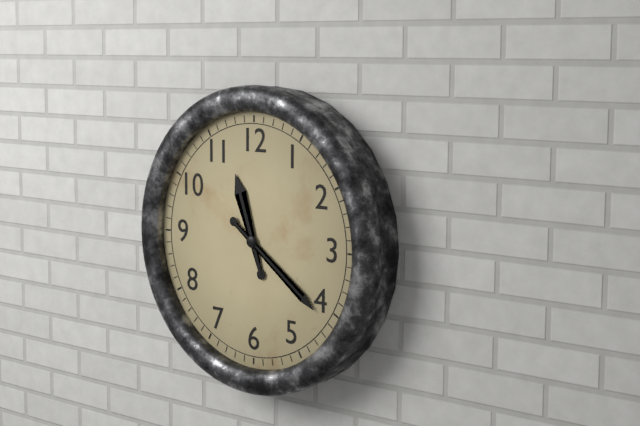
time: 11:21
